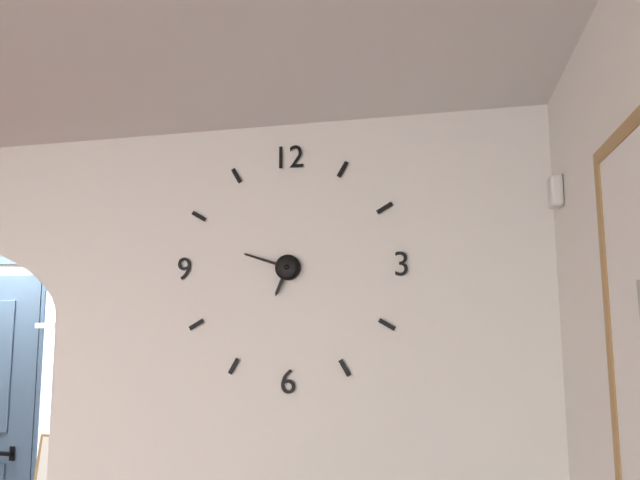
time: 6:48
